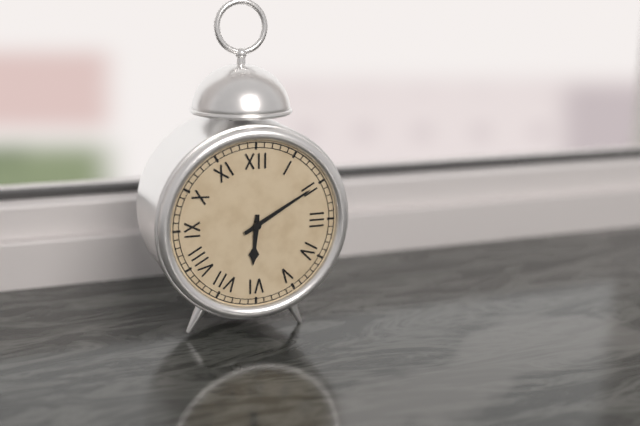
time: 6:10
